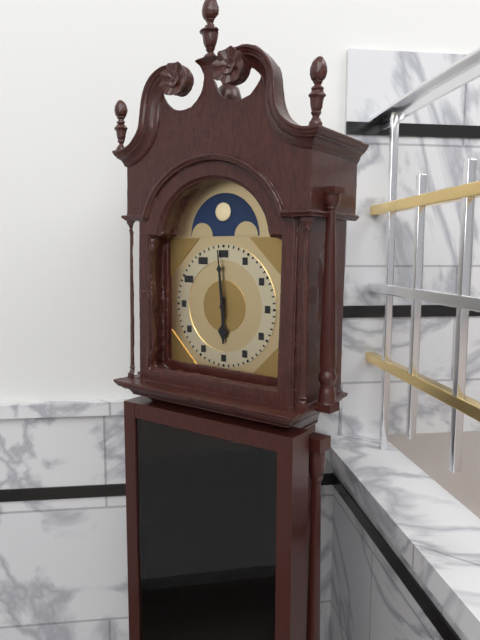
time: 5:59
